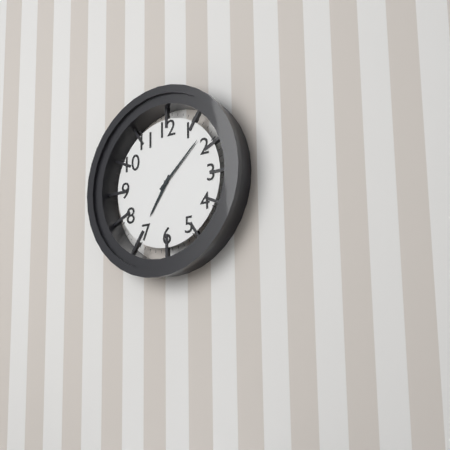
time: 7:08
